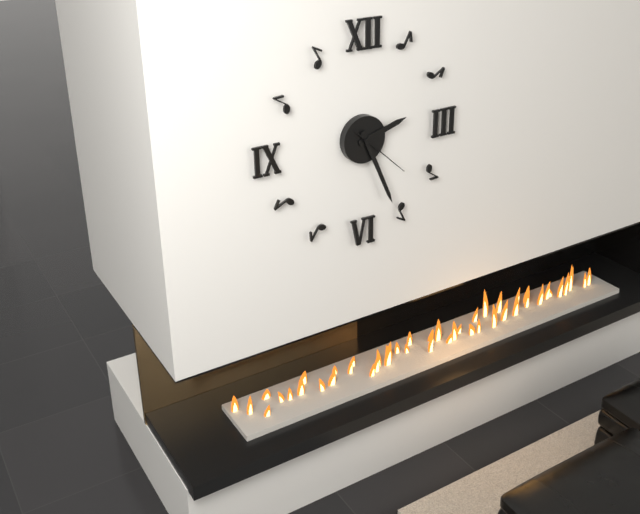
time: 2:26:22
